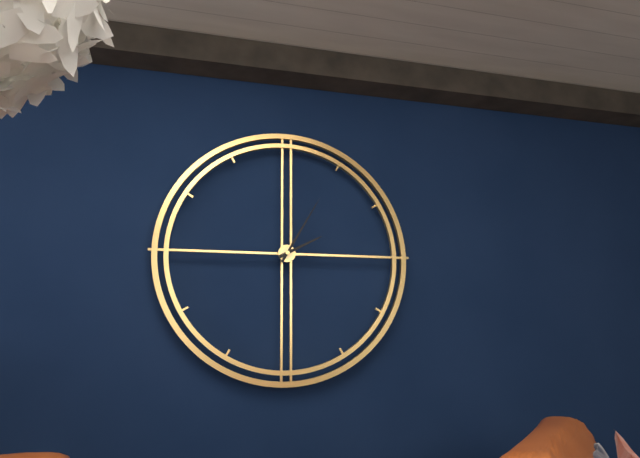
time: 2:05
